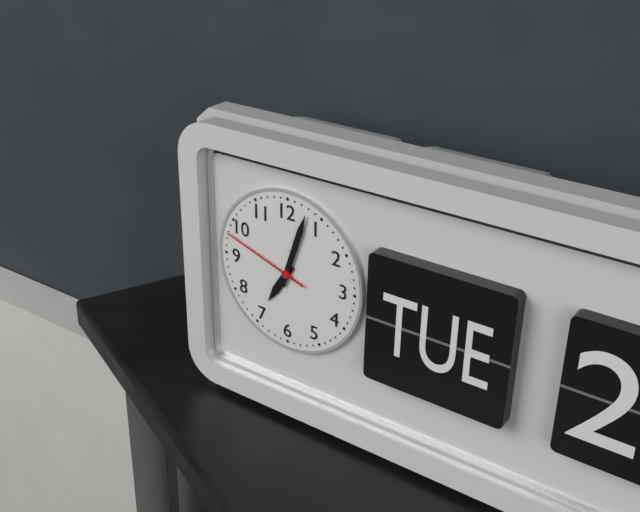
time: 7:03:48
